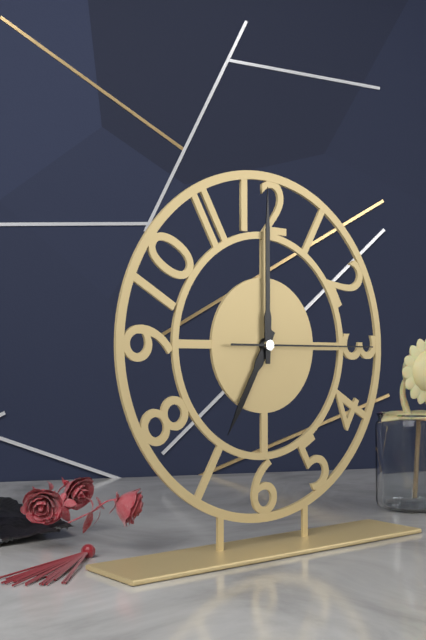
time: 7:00:15
